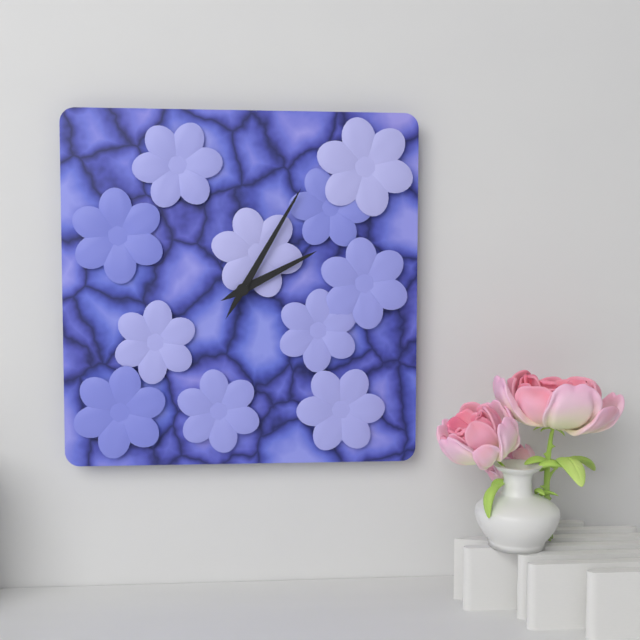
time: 2:05
